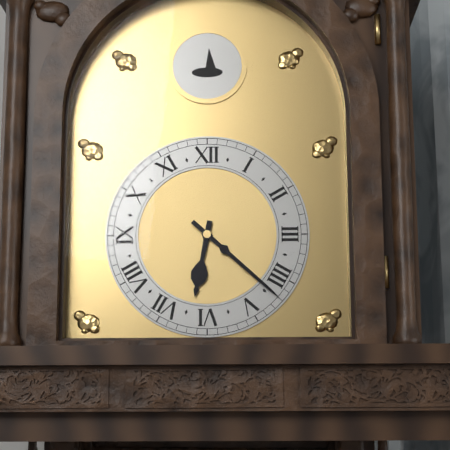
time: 6:22
